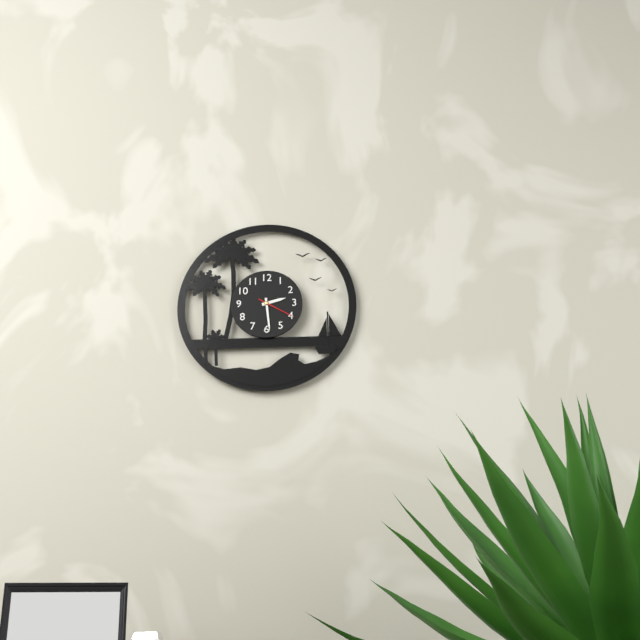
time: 2:29
